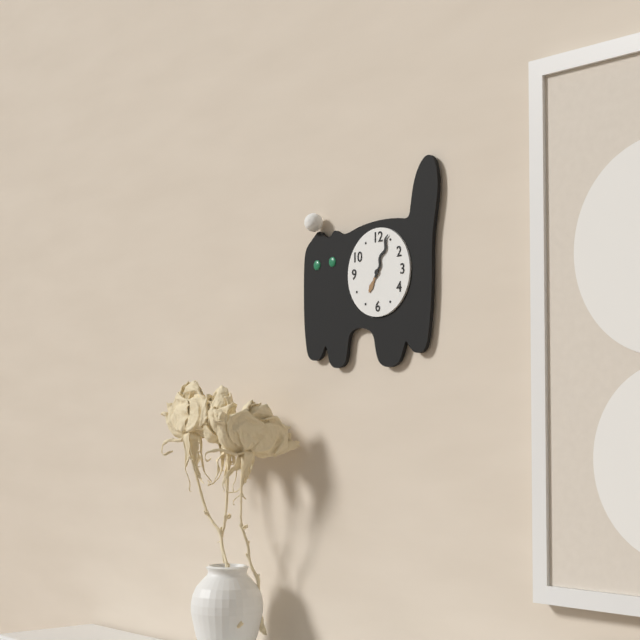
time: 7:04
